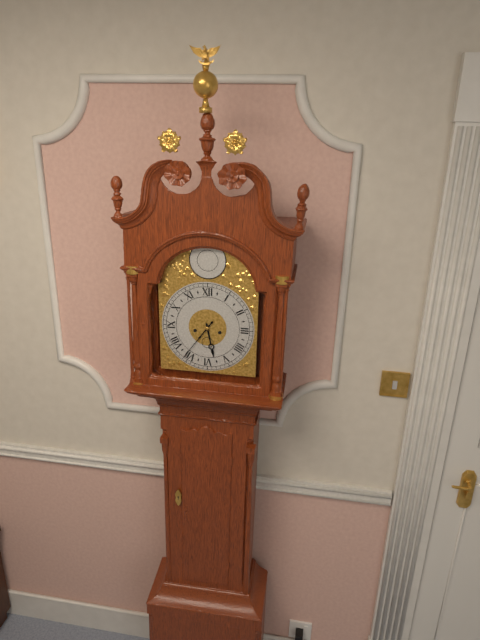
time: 5:36
